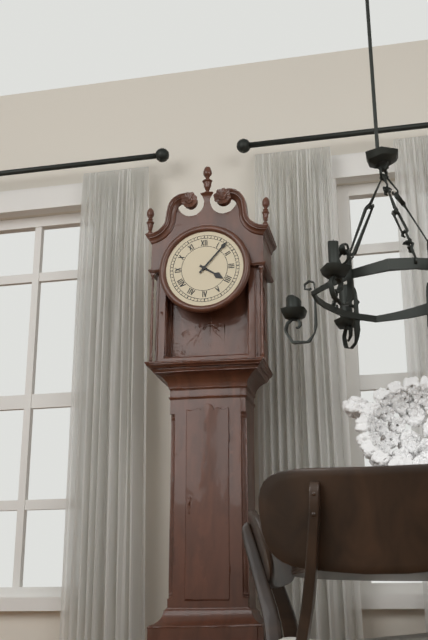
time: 4:07
